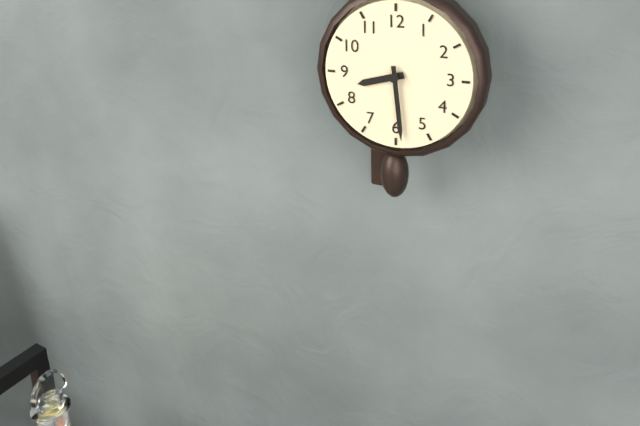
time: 8:29
